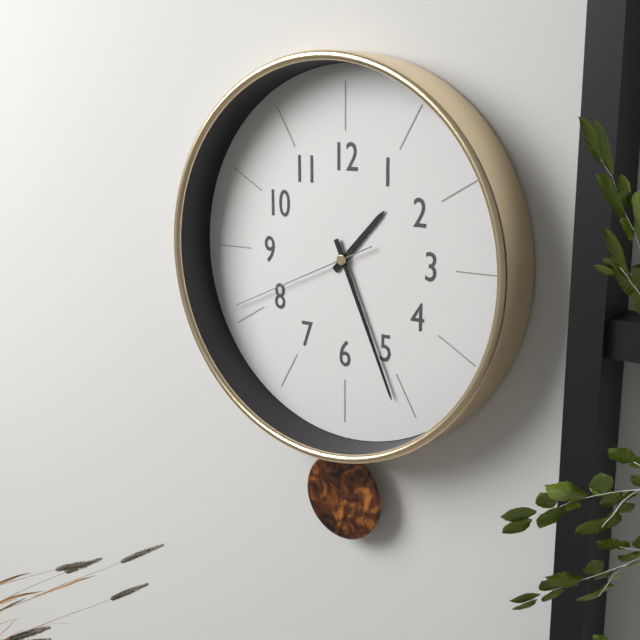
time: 1:26:41
